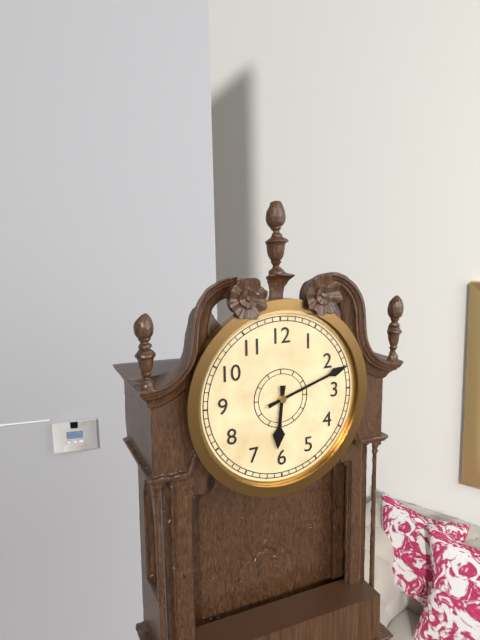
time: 6:12
